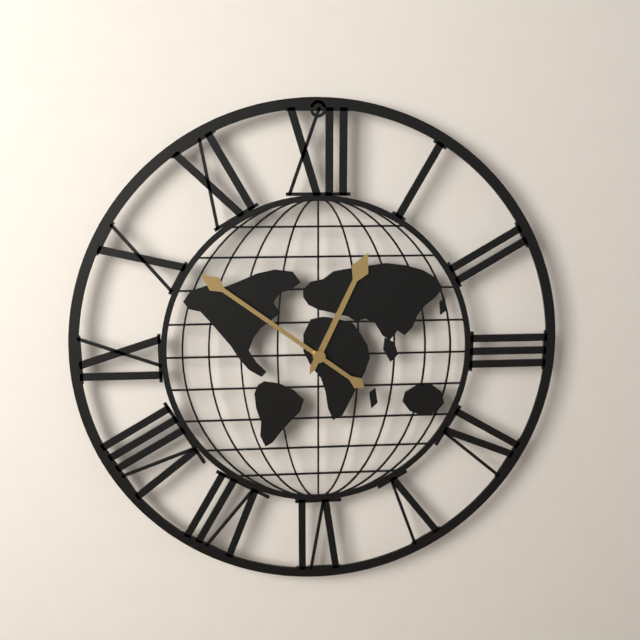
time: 12:51
